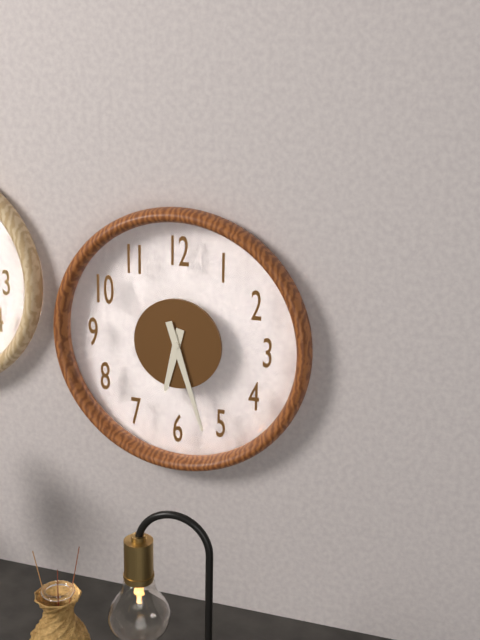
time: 6:27
